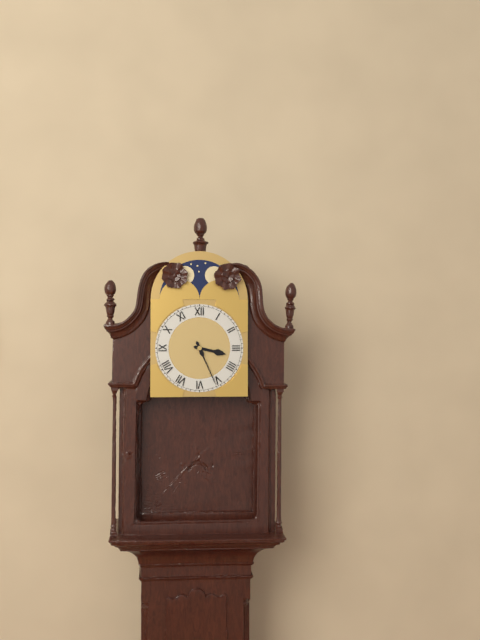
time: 3:26
